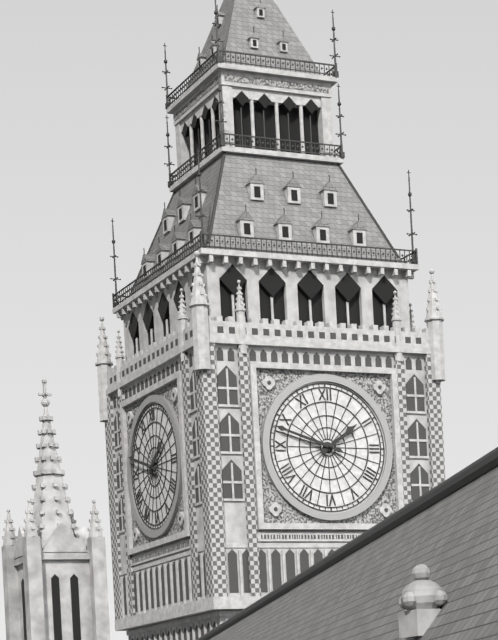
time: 1:48
